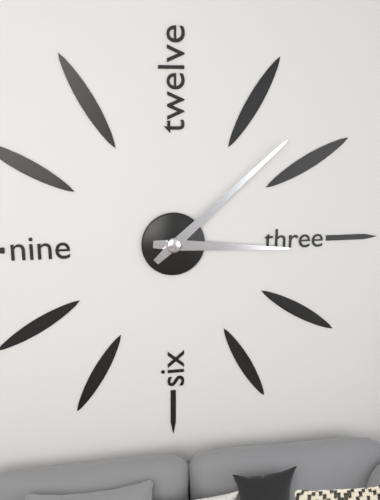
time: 3:08
